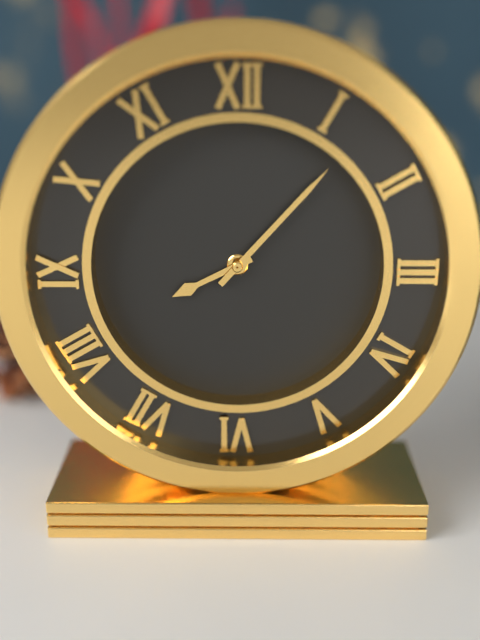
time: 8:07
